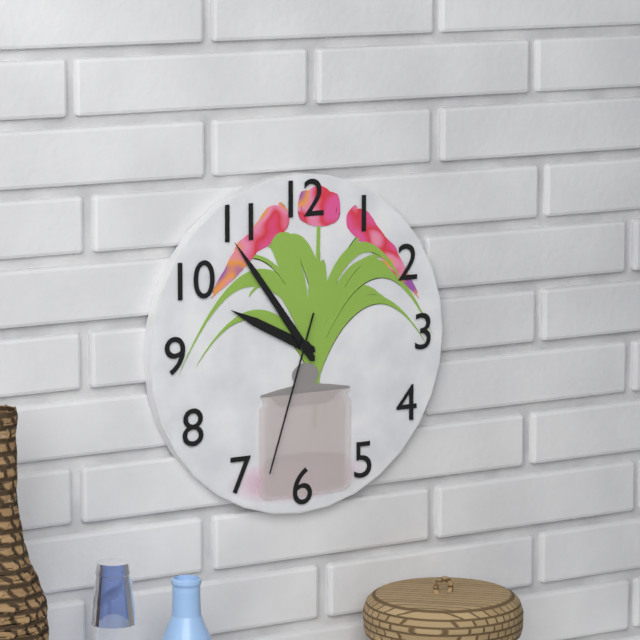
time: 9:54:33
